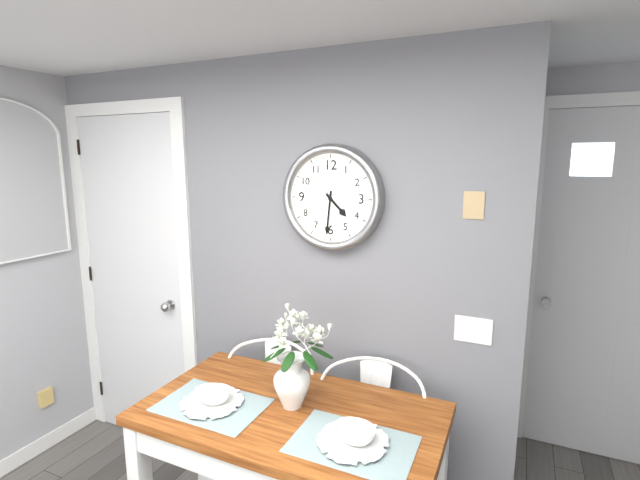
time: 4:31
